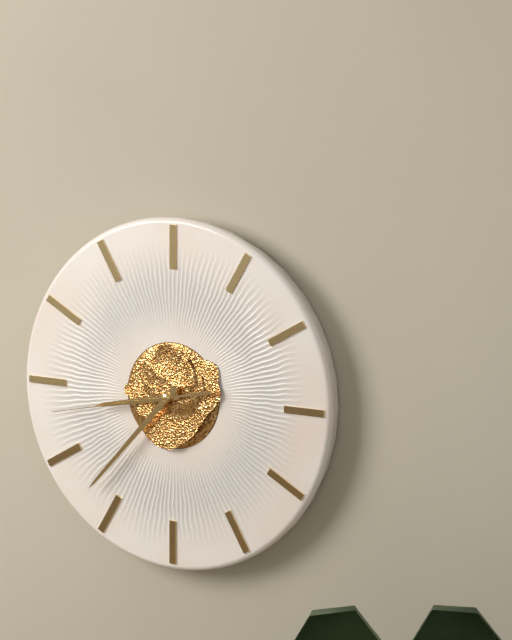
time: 8:37:43
